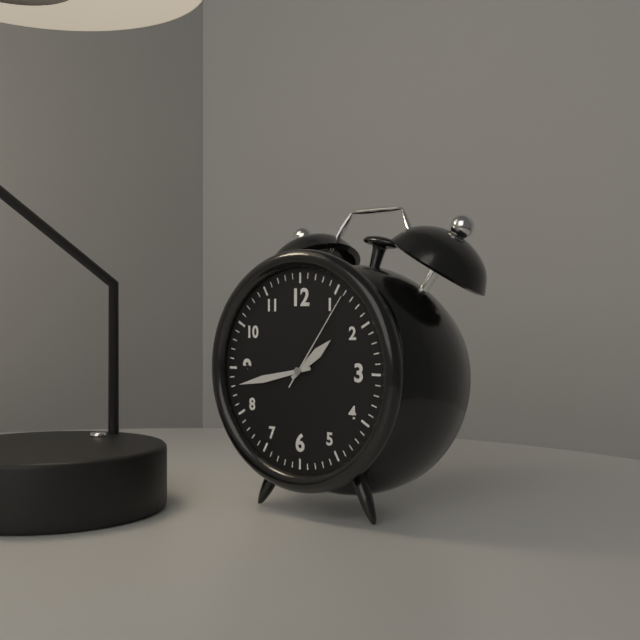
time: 1:43:06
